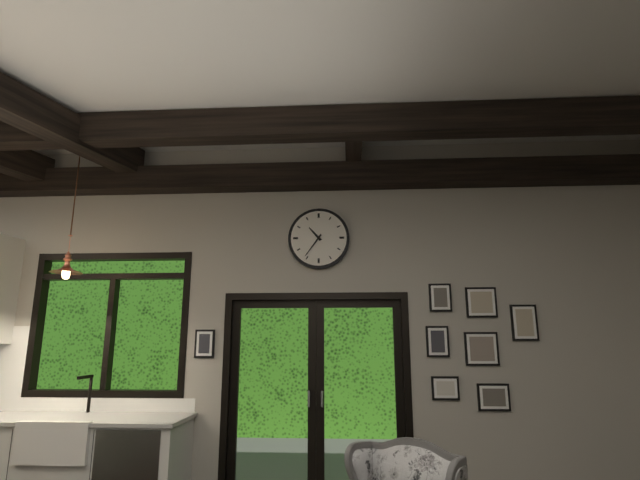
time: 10:36
